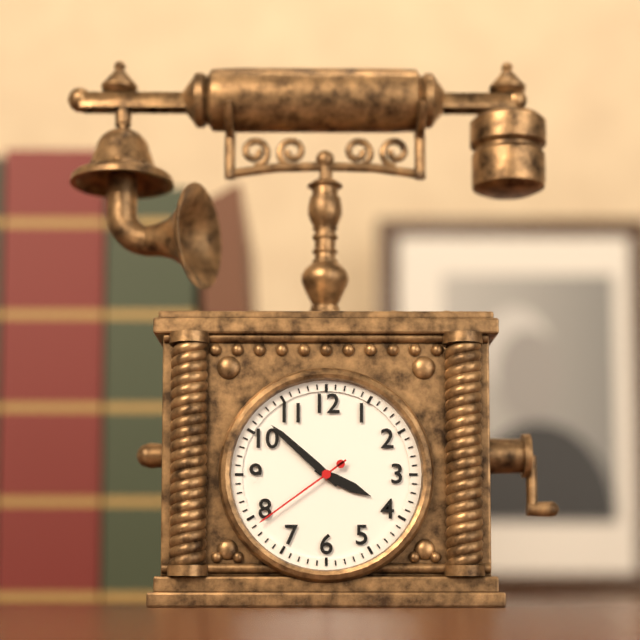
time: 3:52:39
